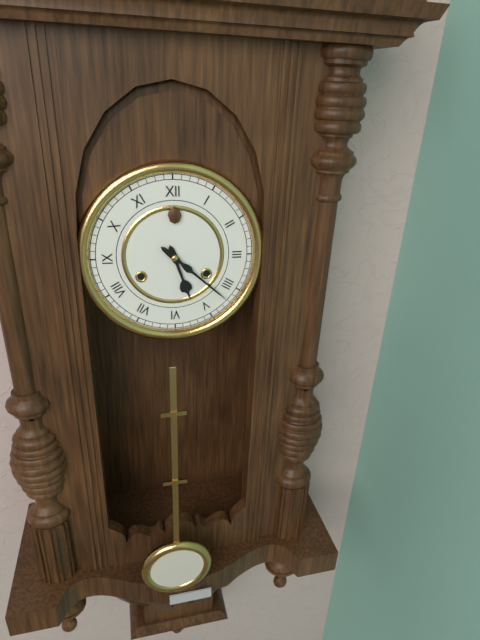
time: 5:22
